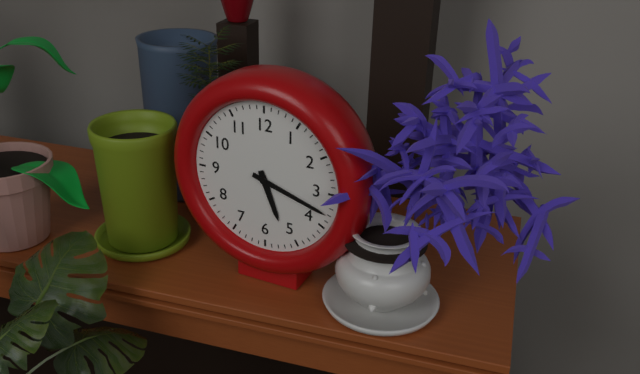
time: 5:18
